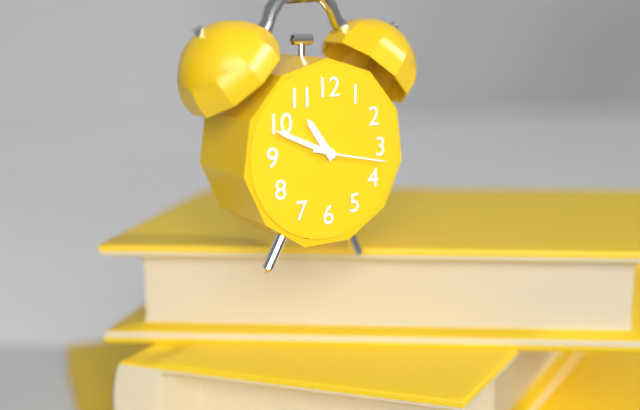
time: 10:49:17
